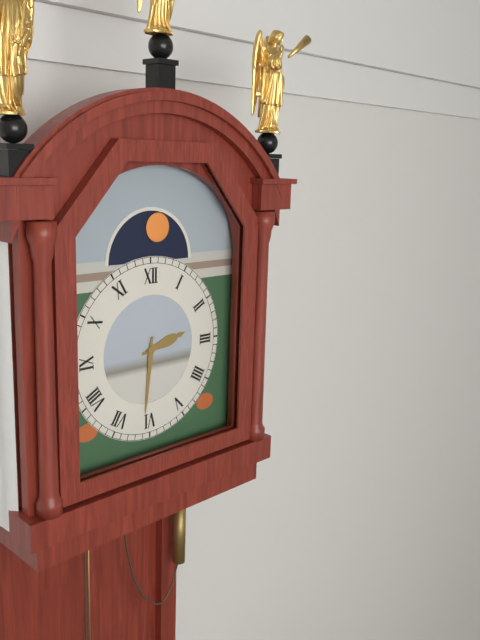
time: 2:31
